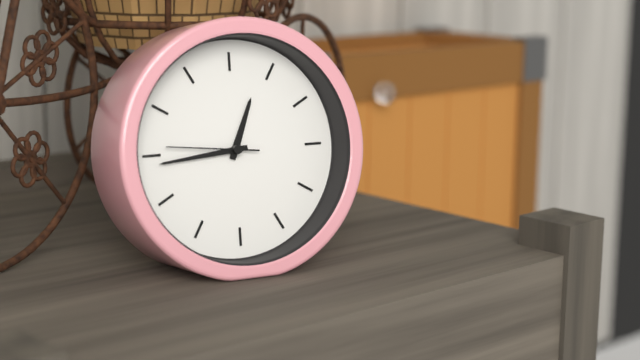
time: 12:44:46
